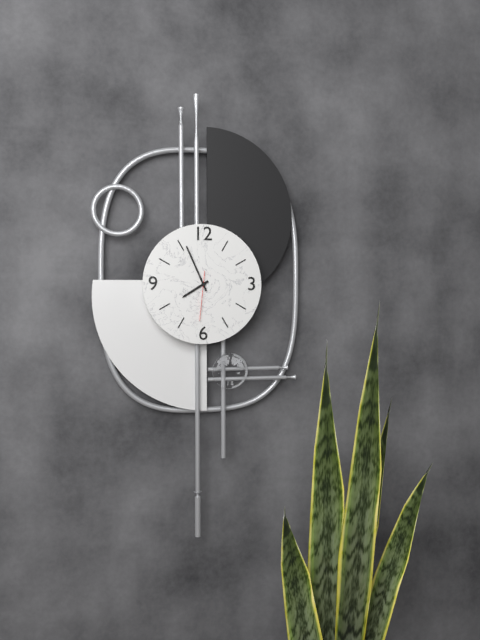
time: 7:56
